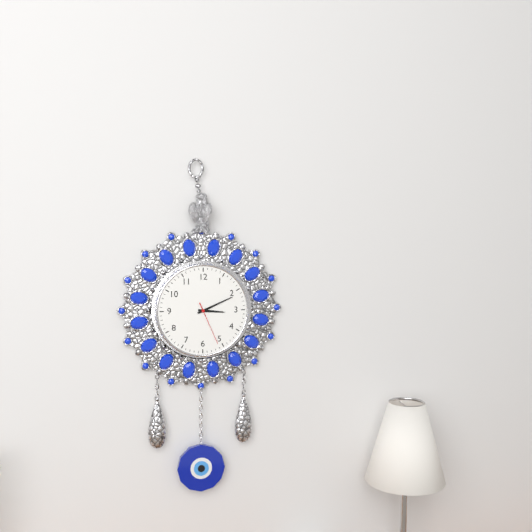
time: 3:11
